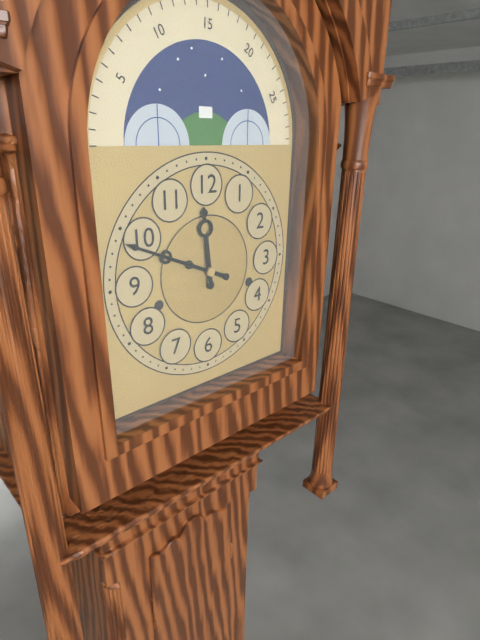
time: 11:49
